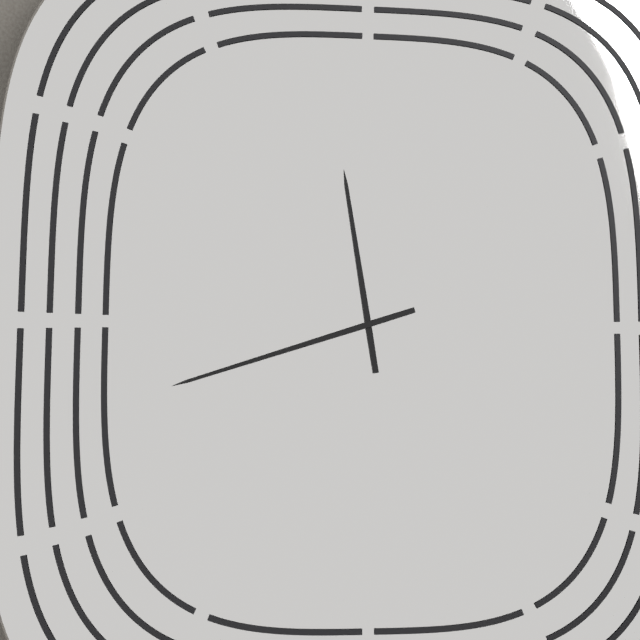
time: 11:42
